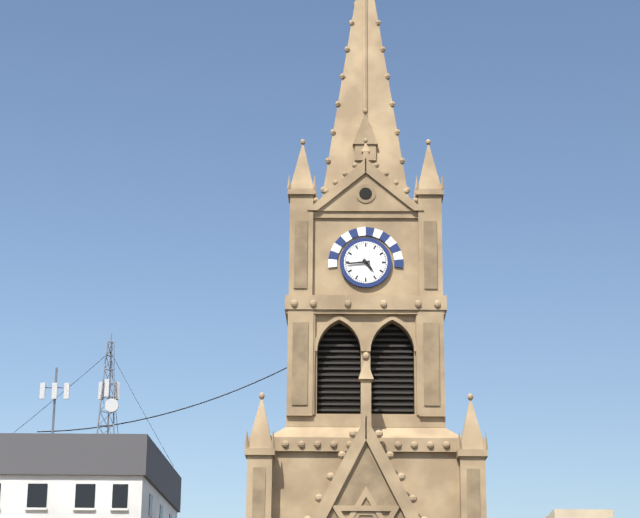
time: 4:44
